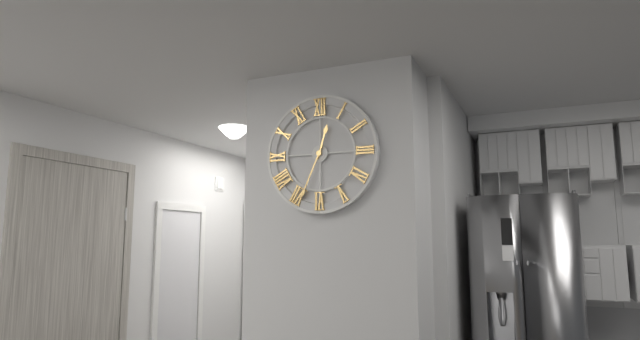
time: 12:34
